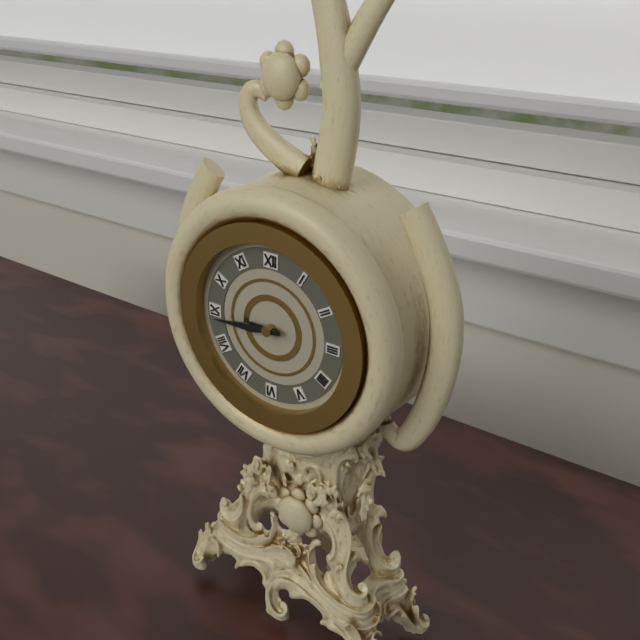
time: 8:44
